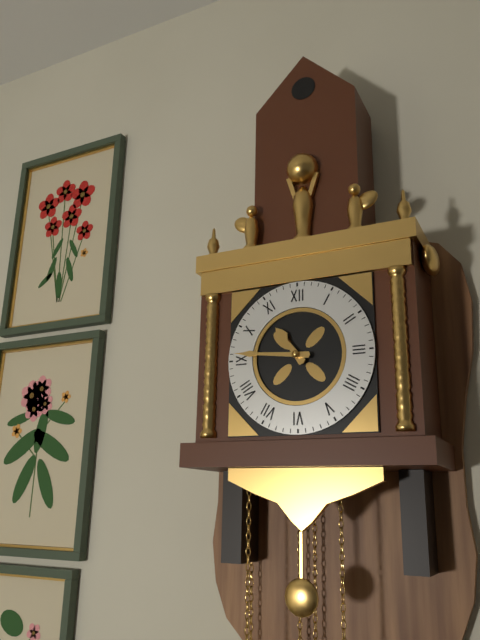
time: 10:46
